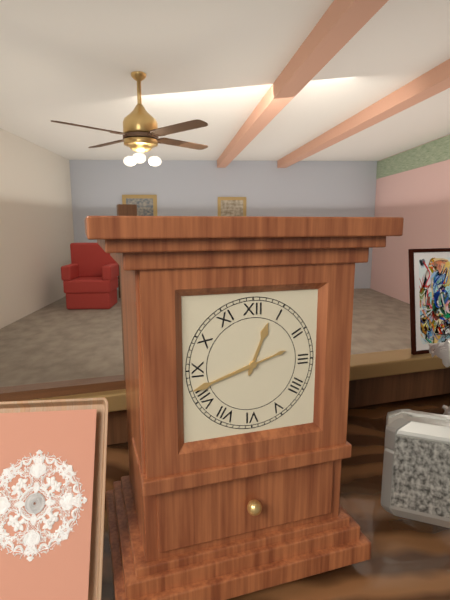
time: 12:42
